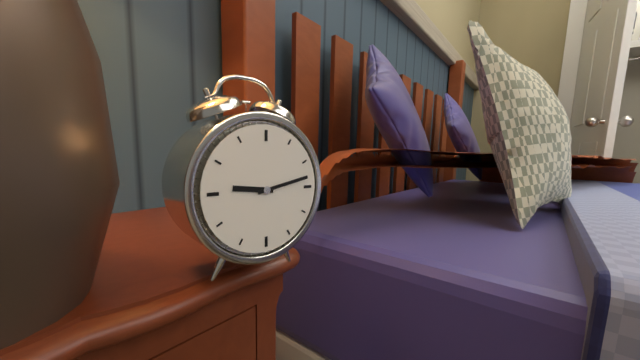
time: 9:13
